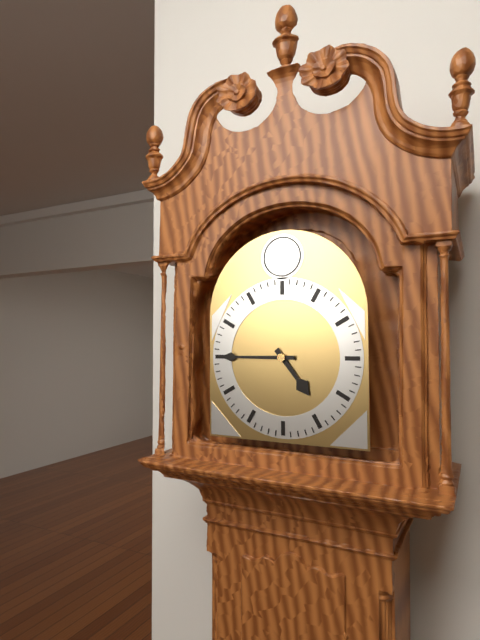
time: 4:45
